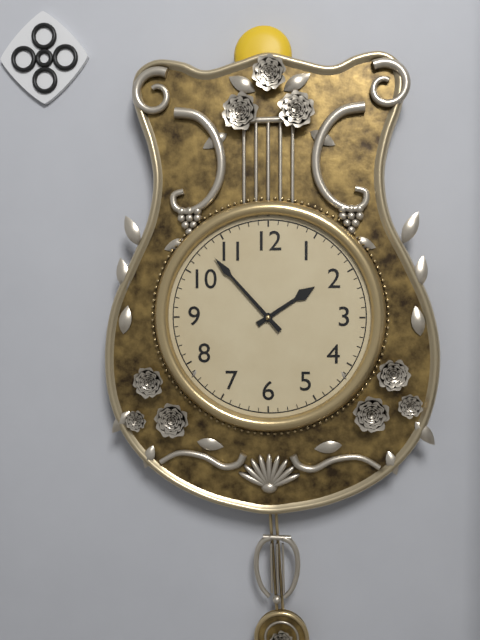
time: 1:53
